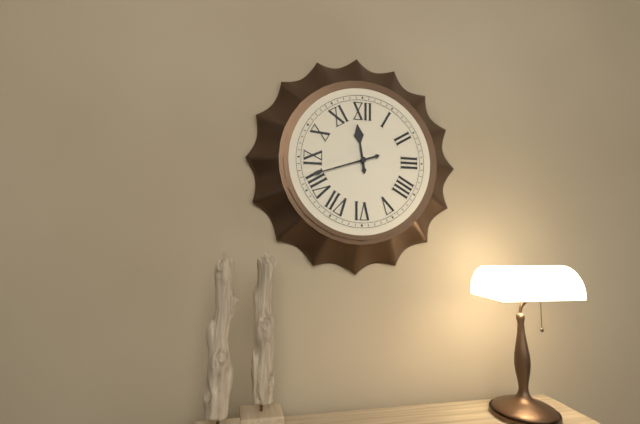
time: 11:42
